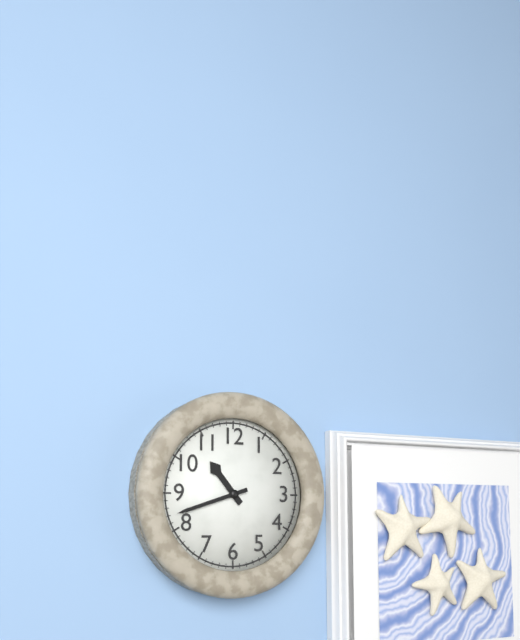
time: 10:42
